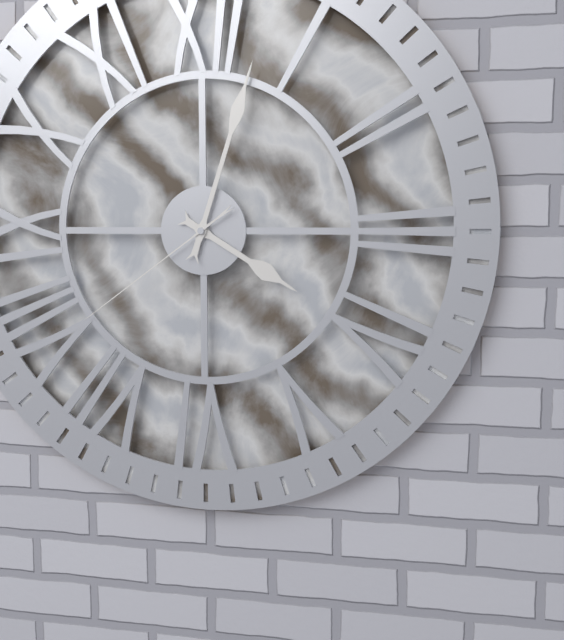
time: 4:03:39
